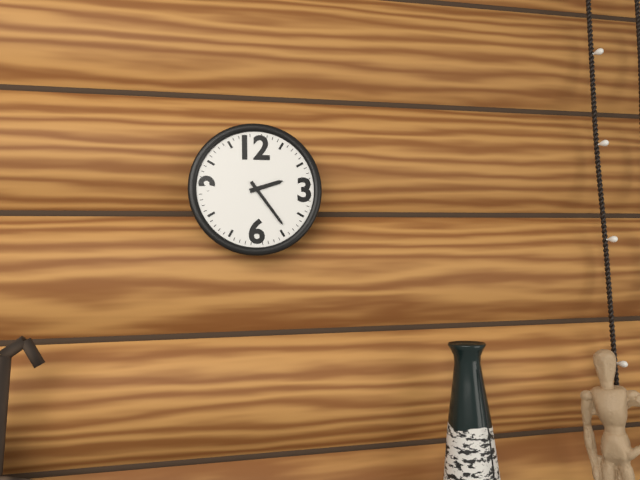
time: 2:24
